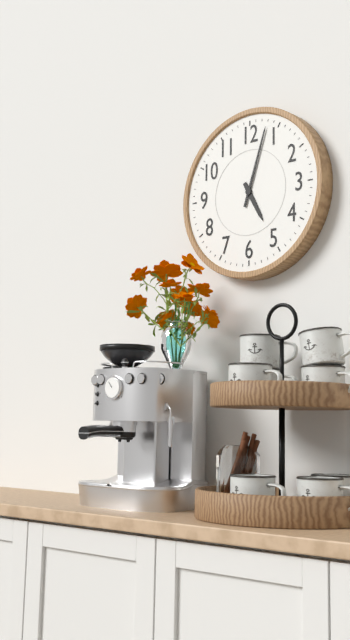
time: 5:03
